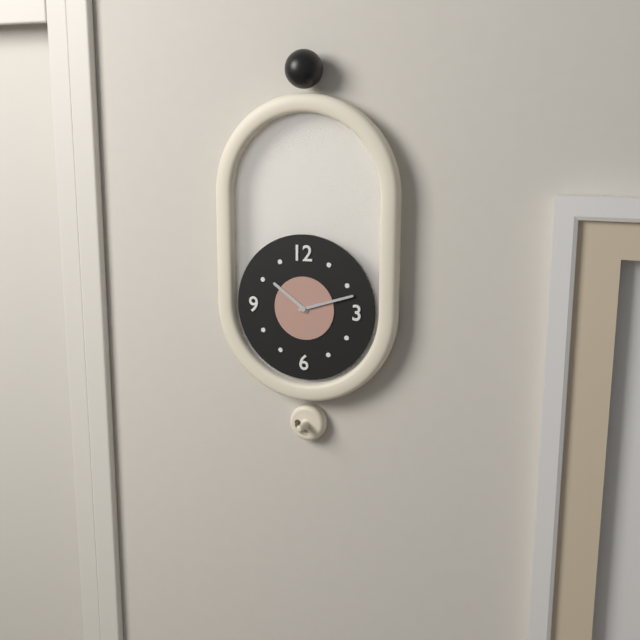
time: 10:12
